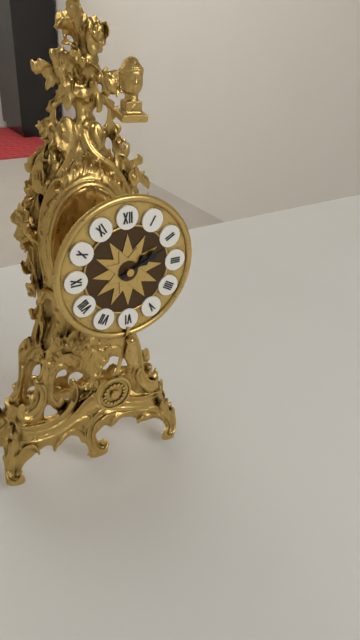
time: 2:11
